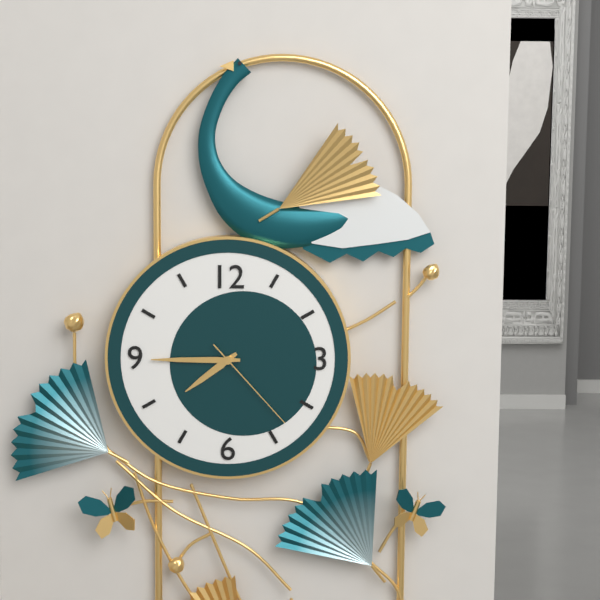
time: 7:45:23
